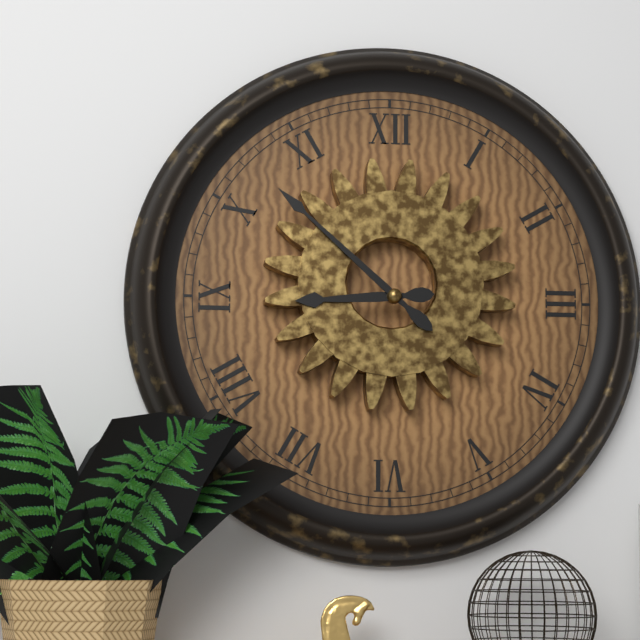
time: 8:52
